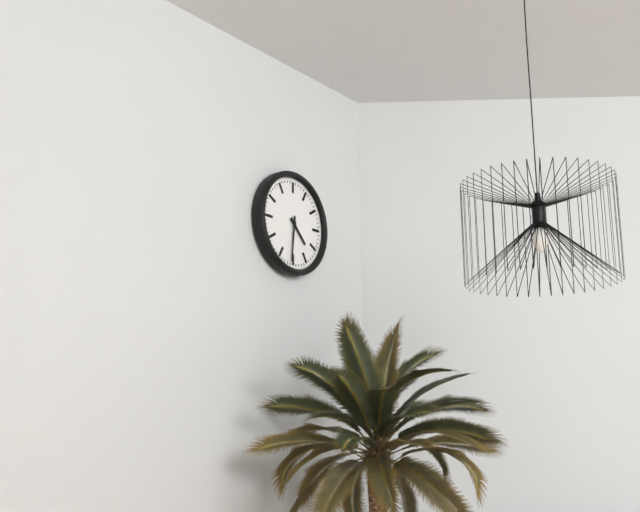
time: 4:31
